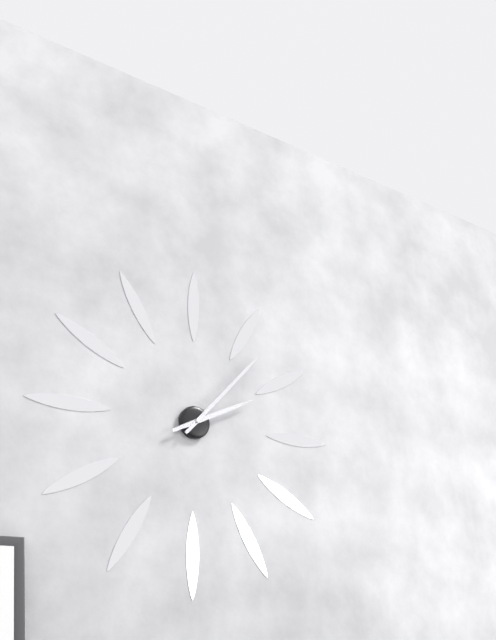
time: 2:07
